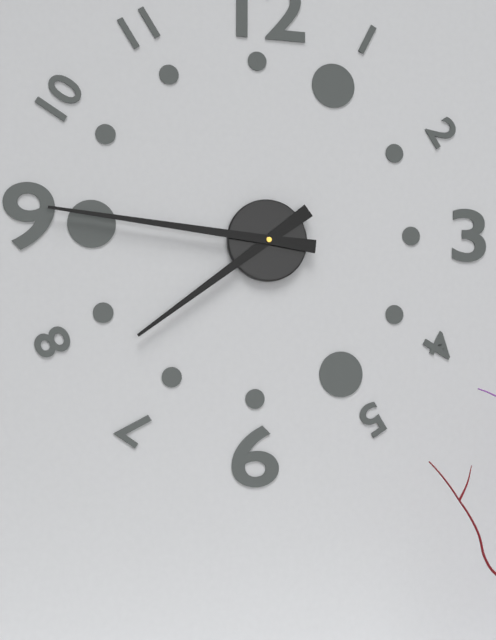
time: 7:46
